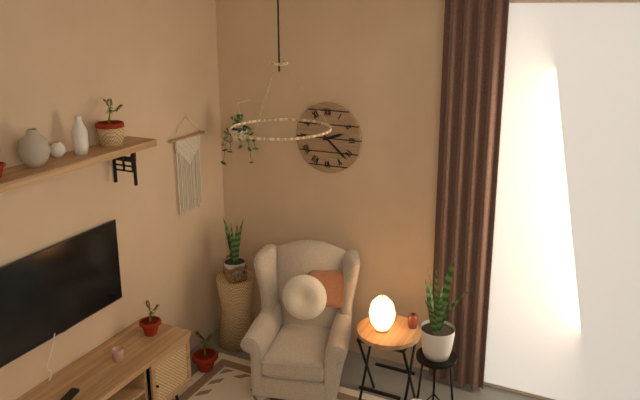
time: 2:22
